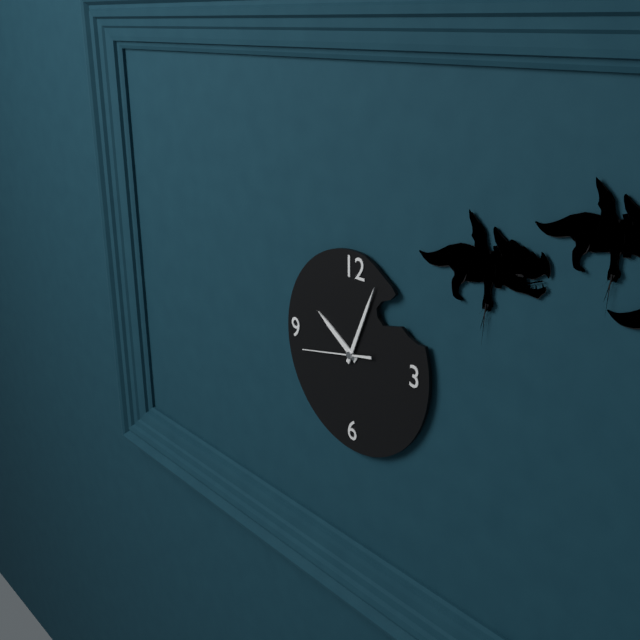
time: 10:04:43
